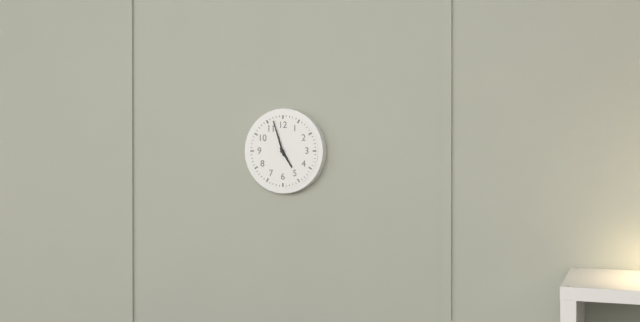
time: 4:57
